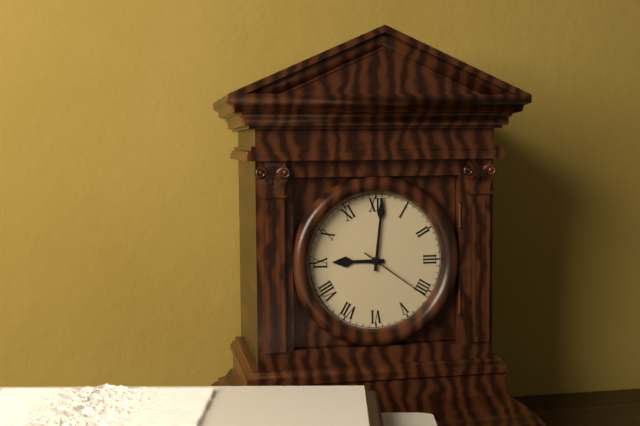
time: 9:01:21
